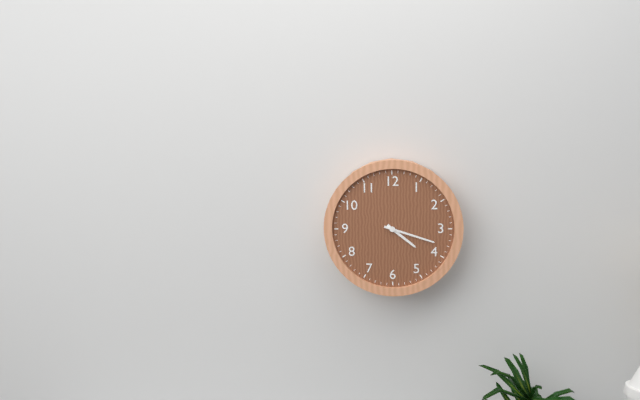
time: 4:18
